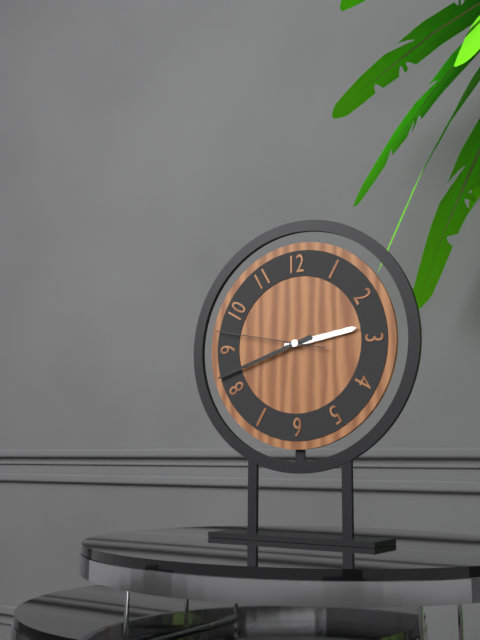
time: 2:42:47
